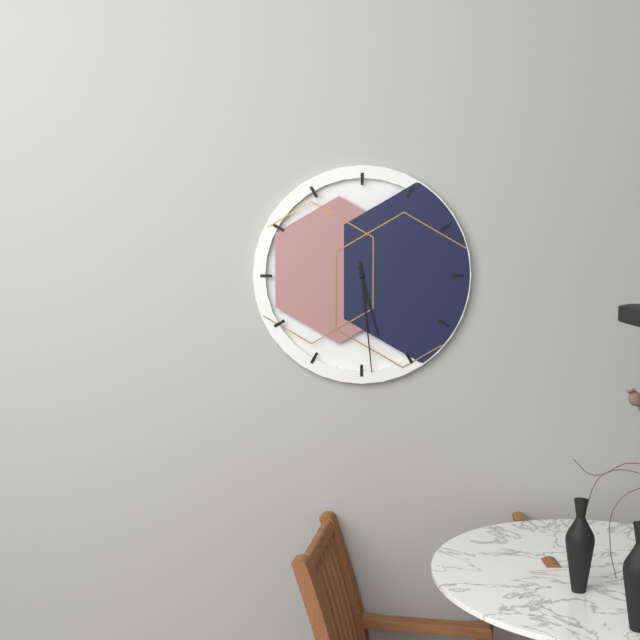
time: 5:29
